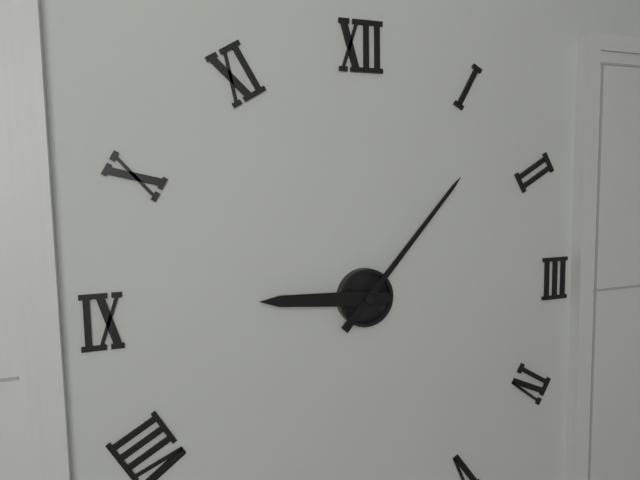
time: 9:07
